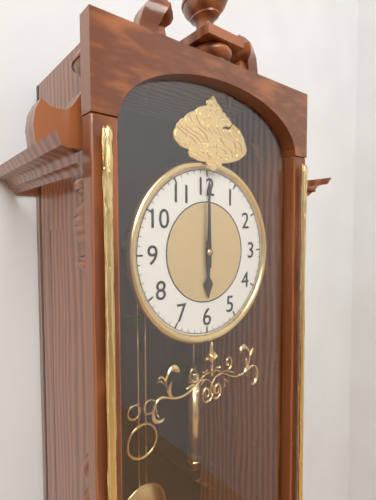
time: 6:00
